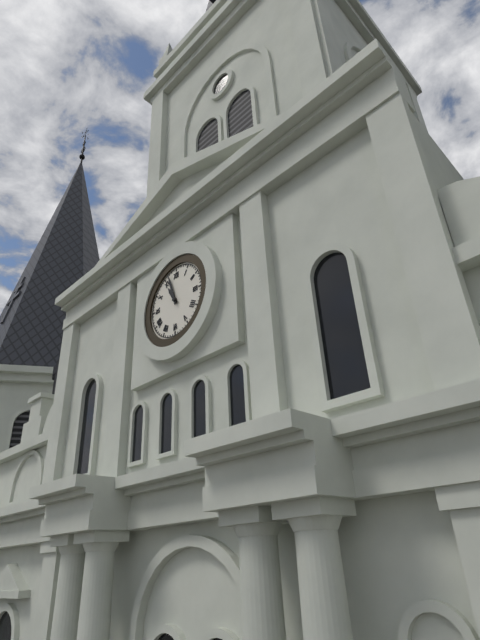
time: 10:57
